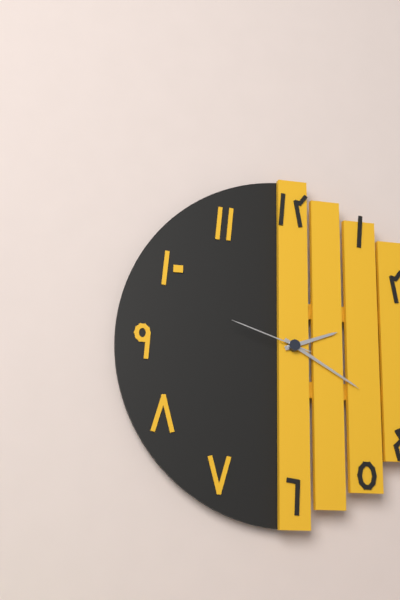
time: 2:20:48
